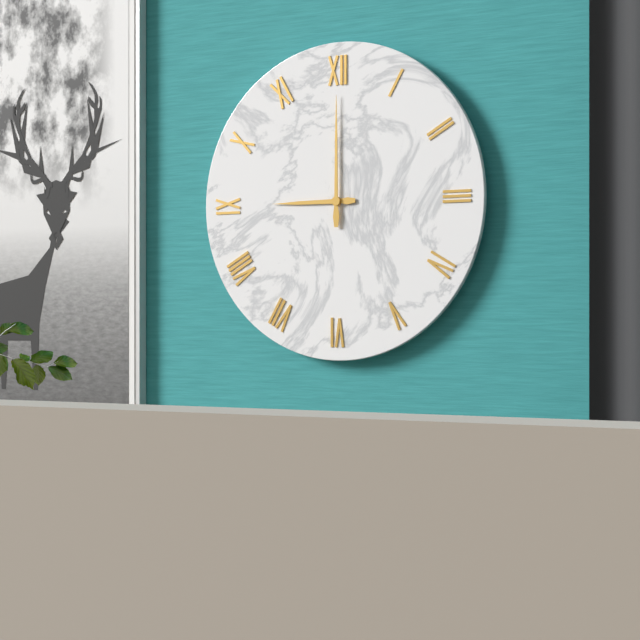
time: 9:00
